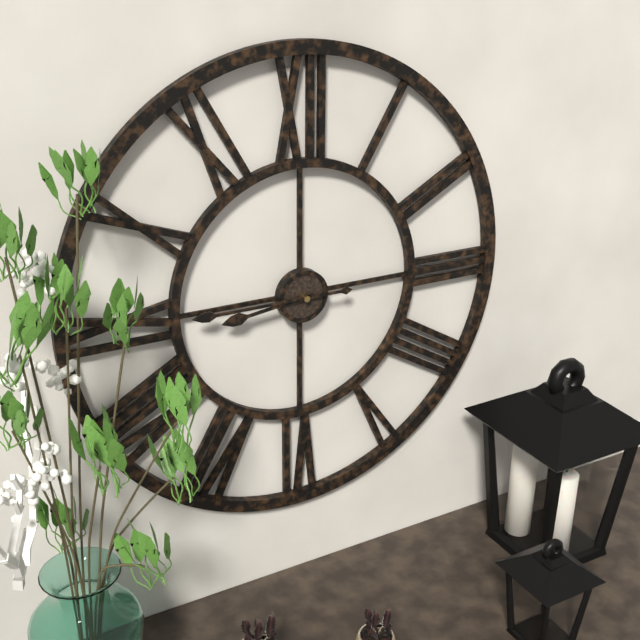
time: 8:45
